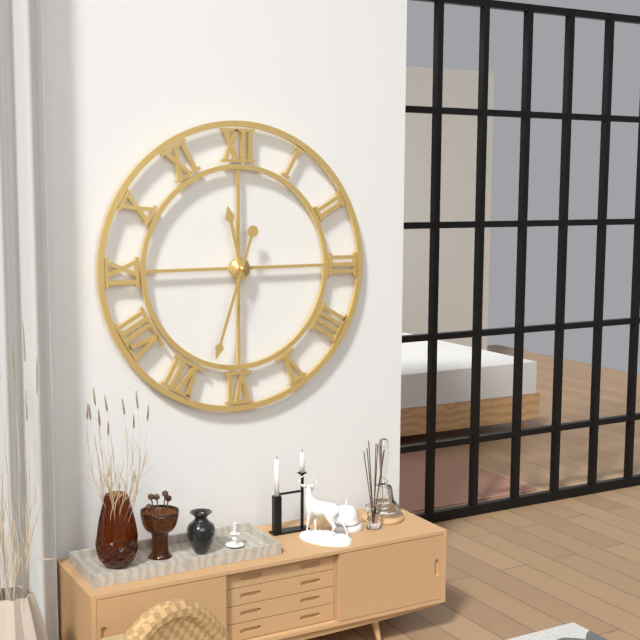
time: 11:33
